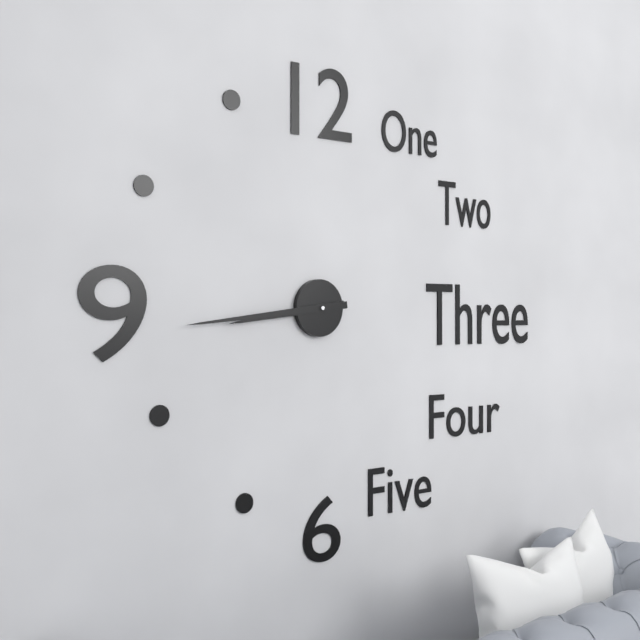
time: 8:44
